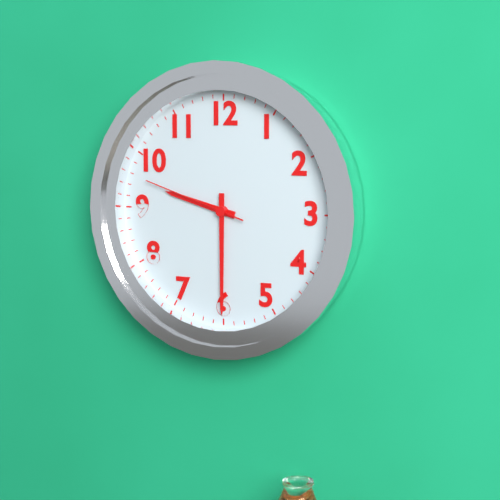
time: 9:30:48
